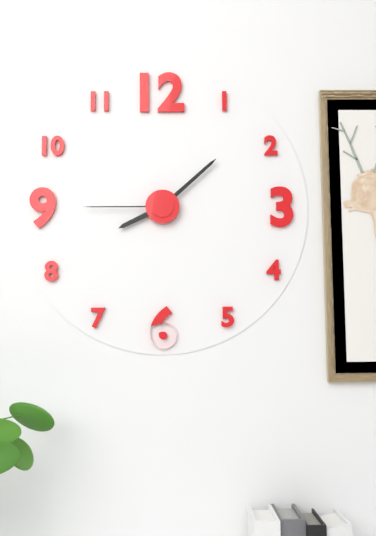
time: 8:08:45
